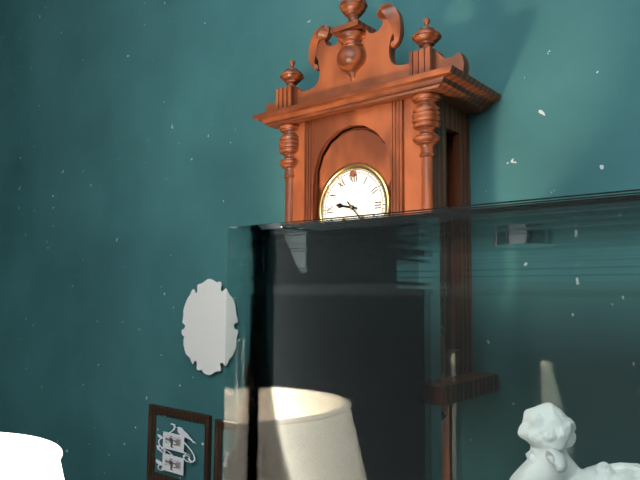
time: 9:23
